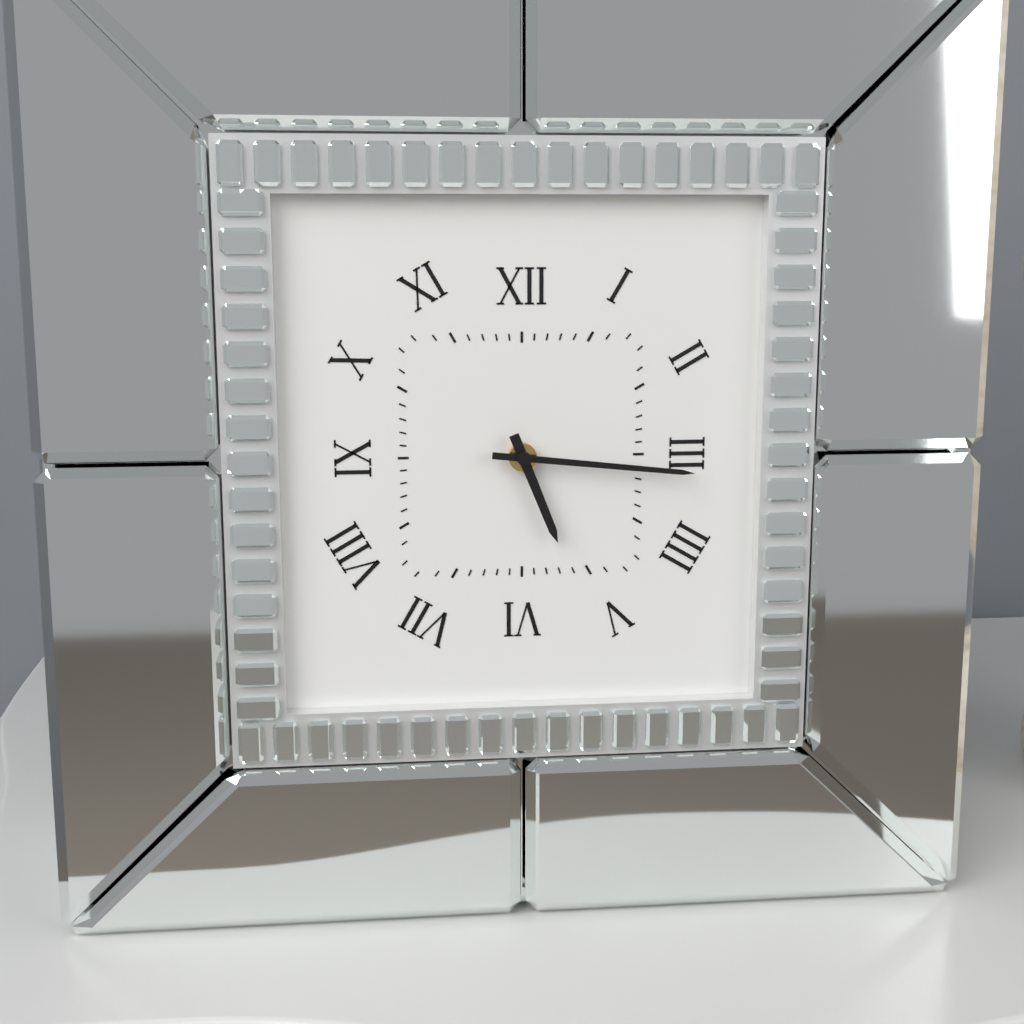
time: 5:16
